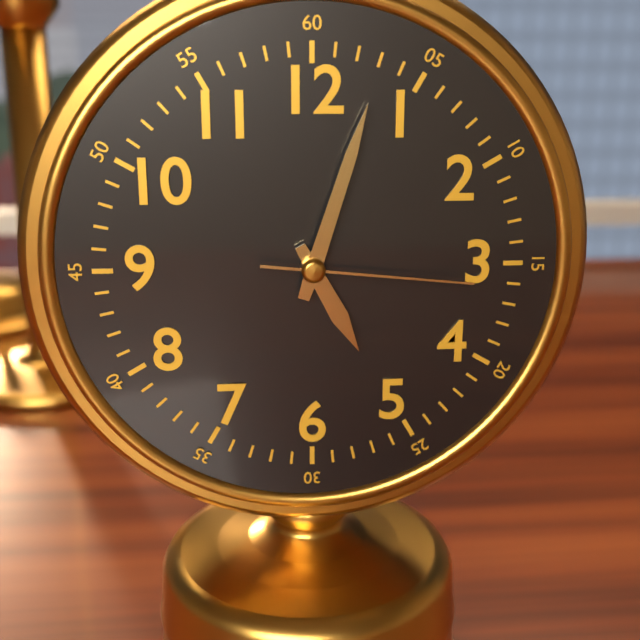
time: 5:03:16
